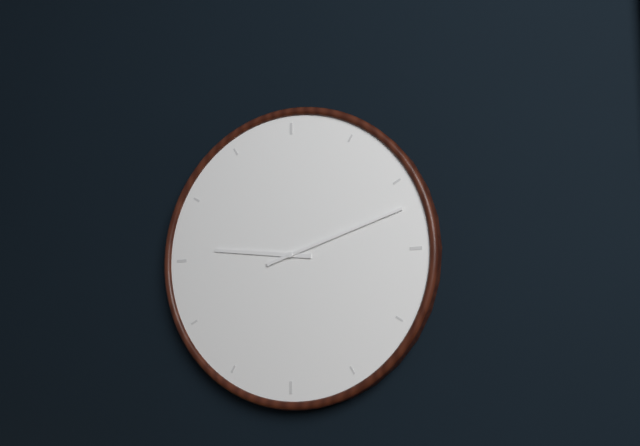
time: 9:12
